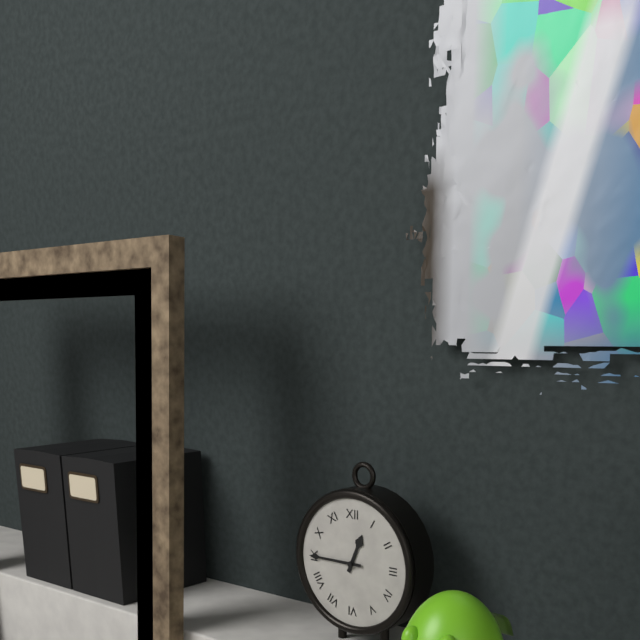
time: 12:45
